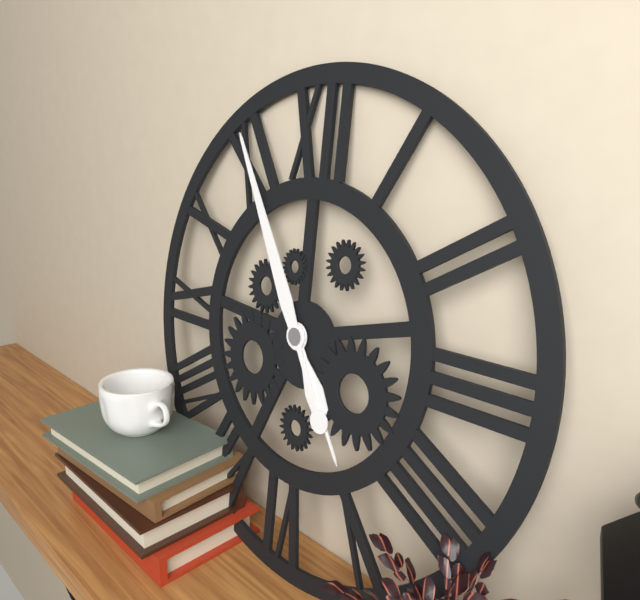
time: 4:55
